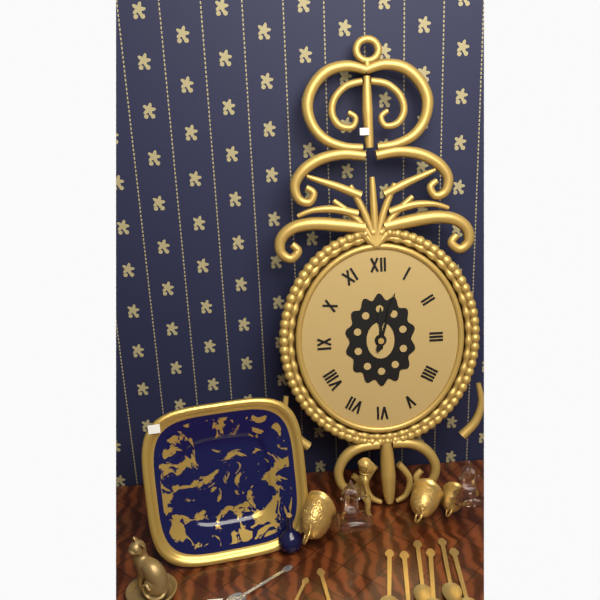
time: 12:03
